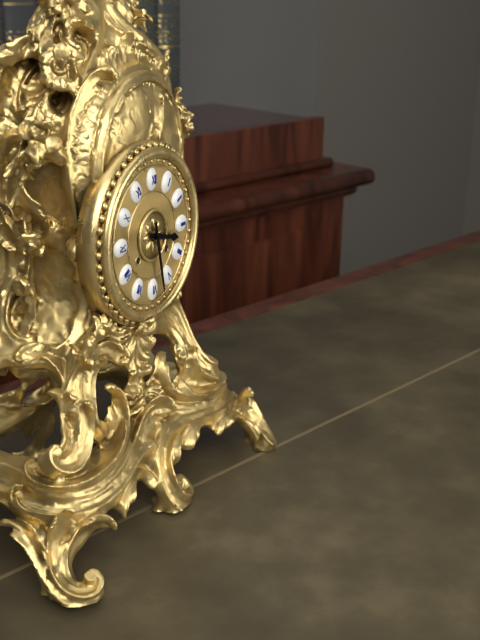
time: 3:28
